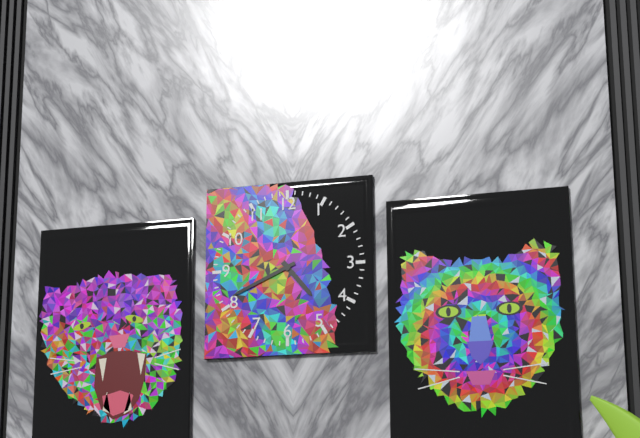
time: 4:41
